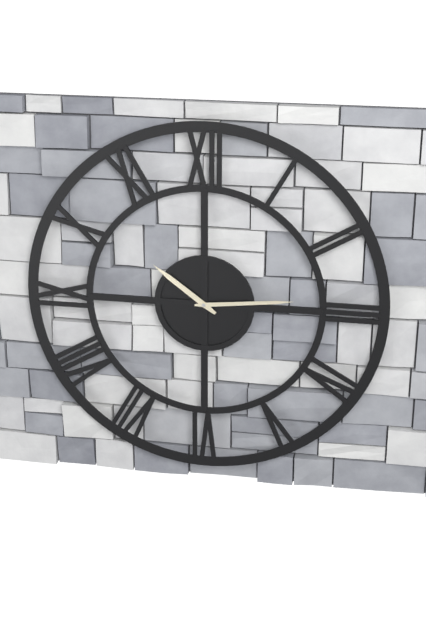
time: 10:14
